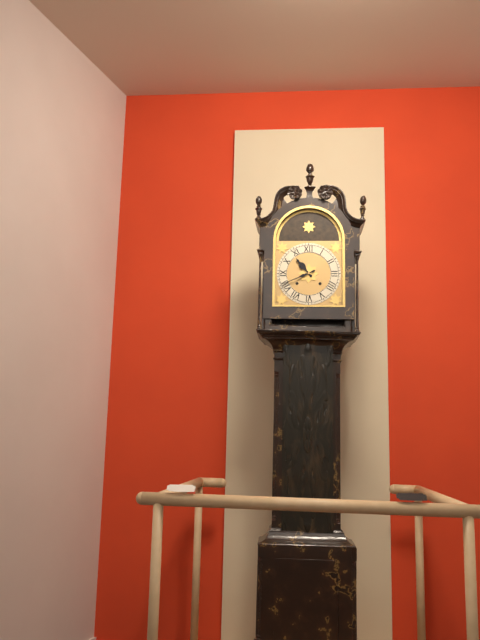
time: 10:41
